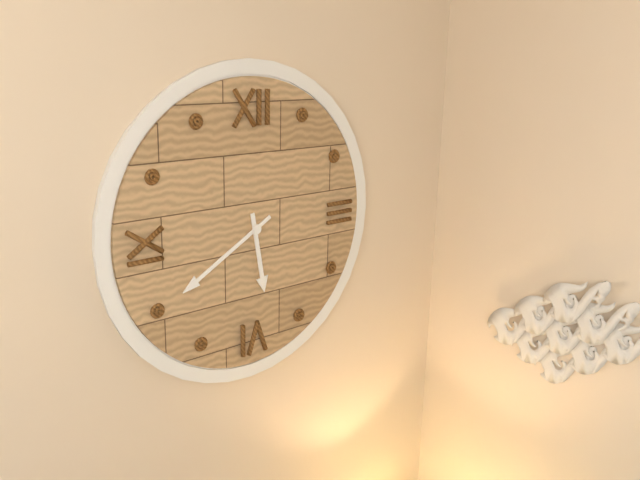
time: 5:40
